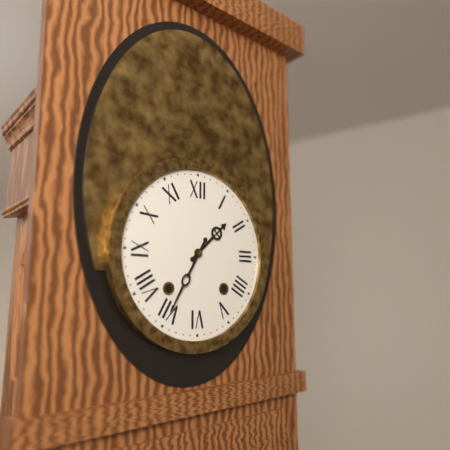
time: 1:35
